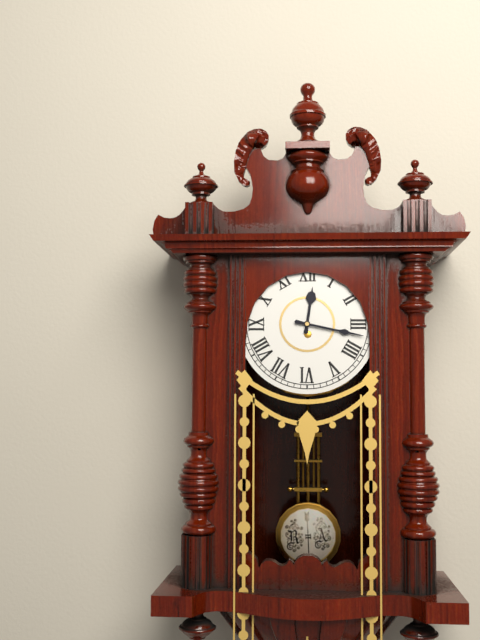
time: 12:17
